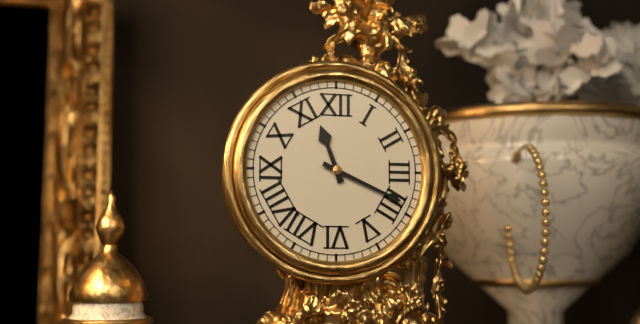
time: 11:19
